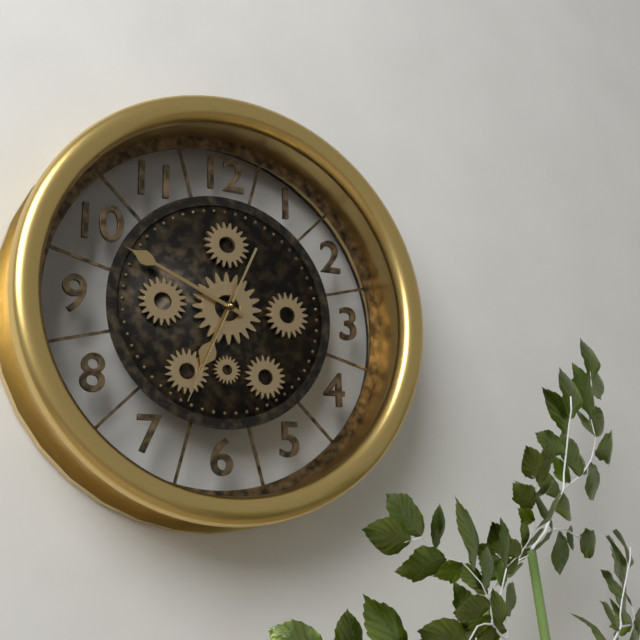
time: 6:49:34
